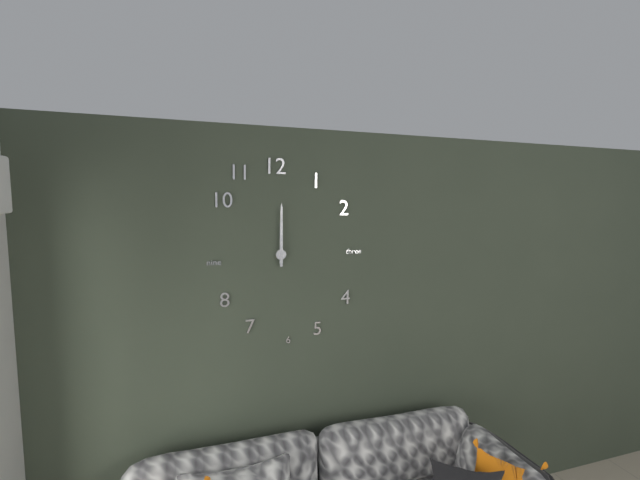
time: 12:00
